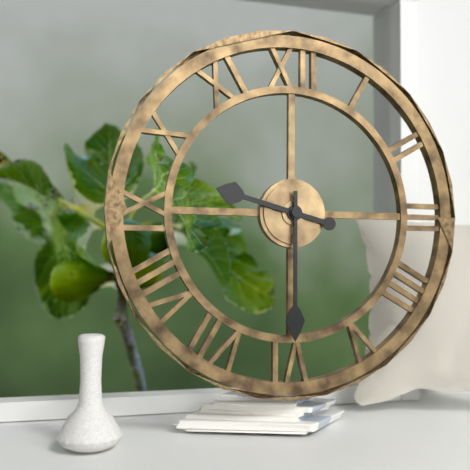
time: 9:30
